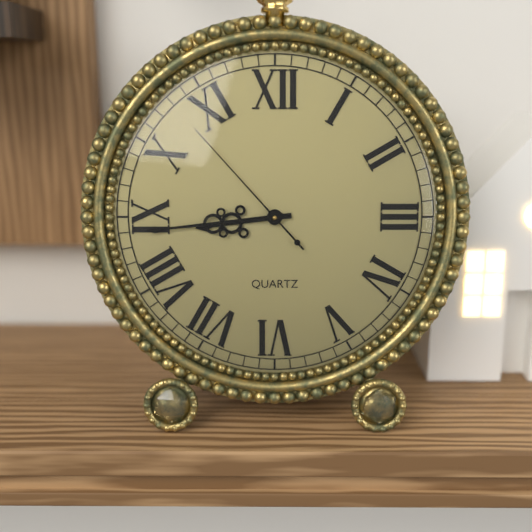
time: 8:44:53
